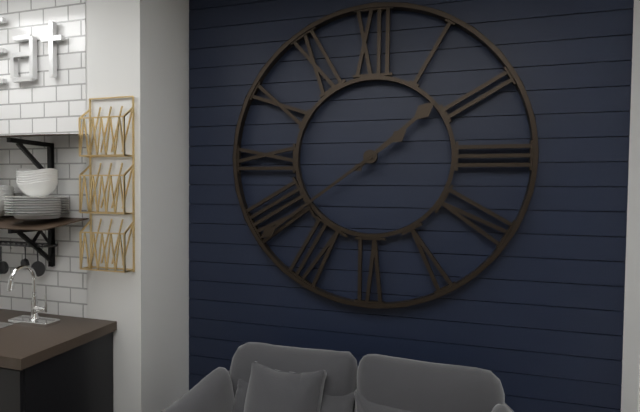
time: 1:39
